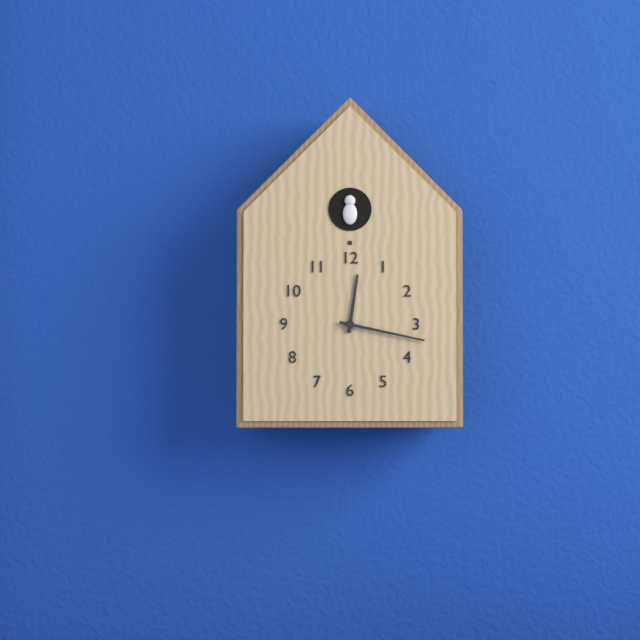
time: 12:17
